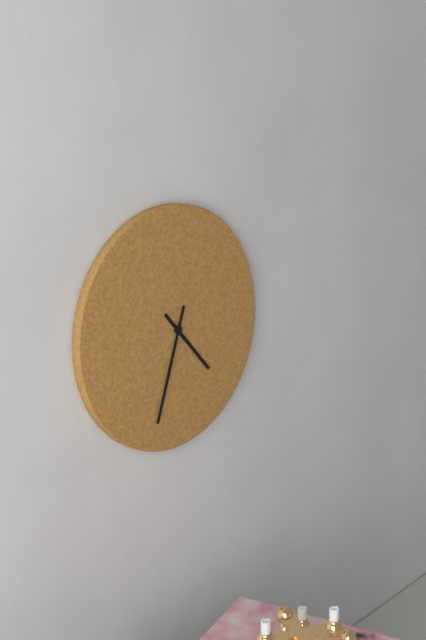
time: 4:33
